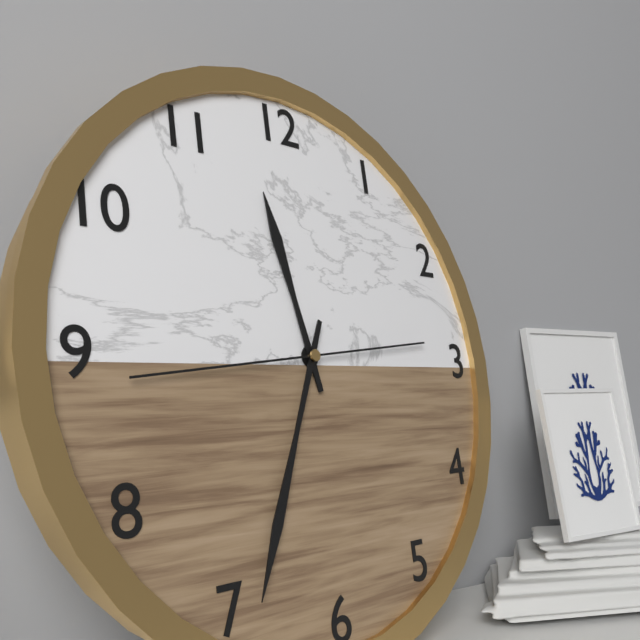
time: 11:34:44
